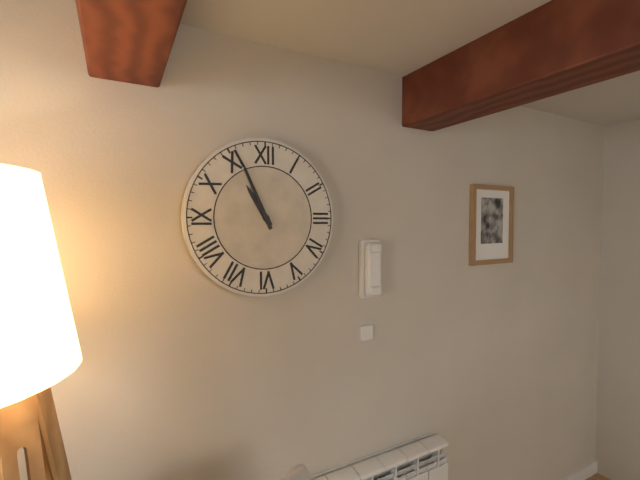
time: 10:56
